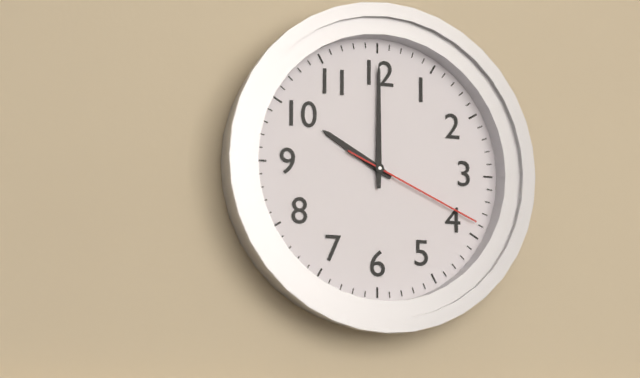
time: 10:00:19
